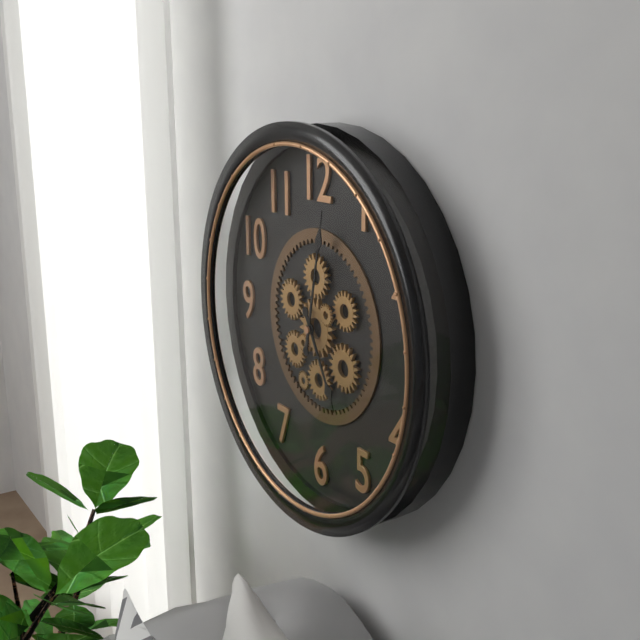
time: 5:02
